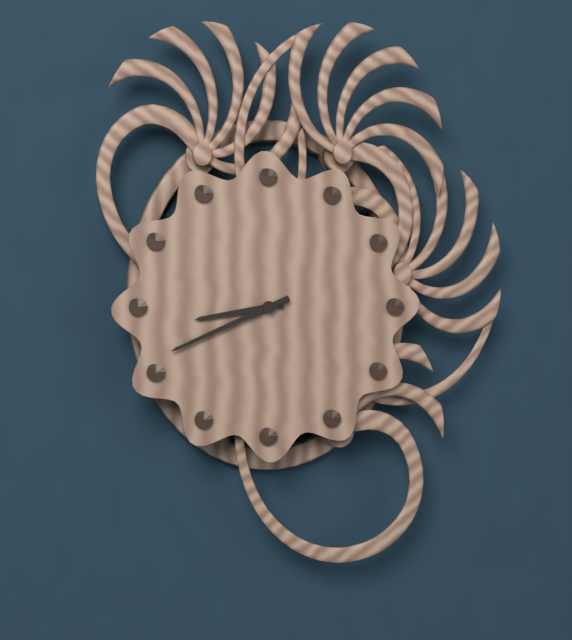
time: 8:41
